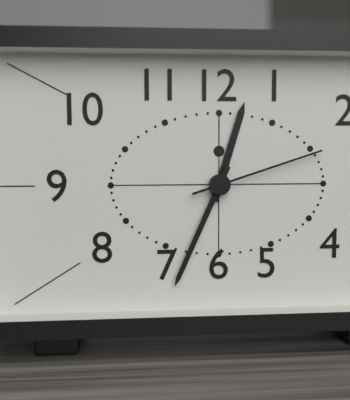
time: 12:34:12
